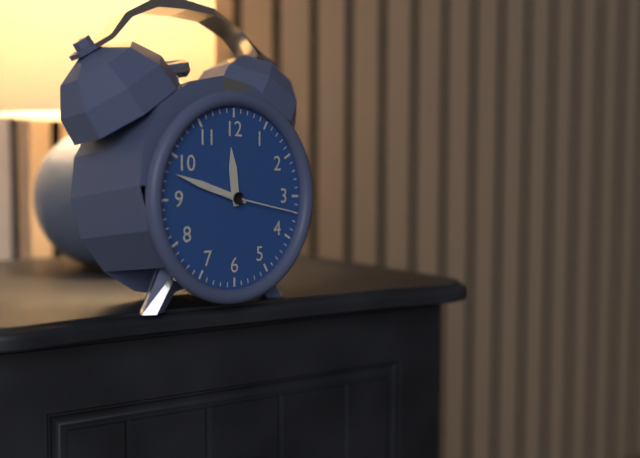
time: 11:48:17
